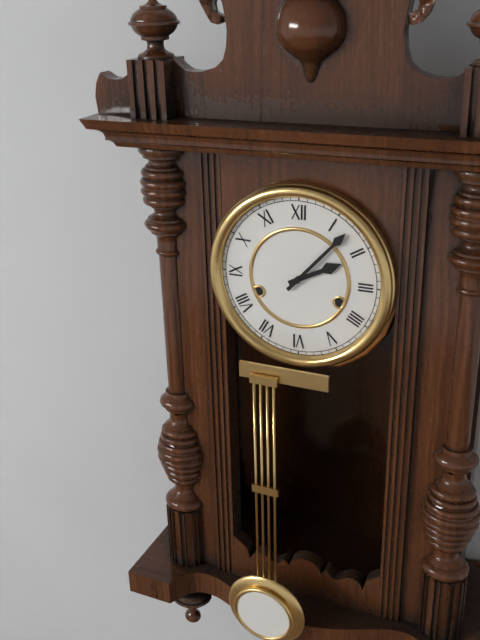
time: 2:07
